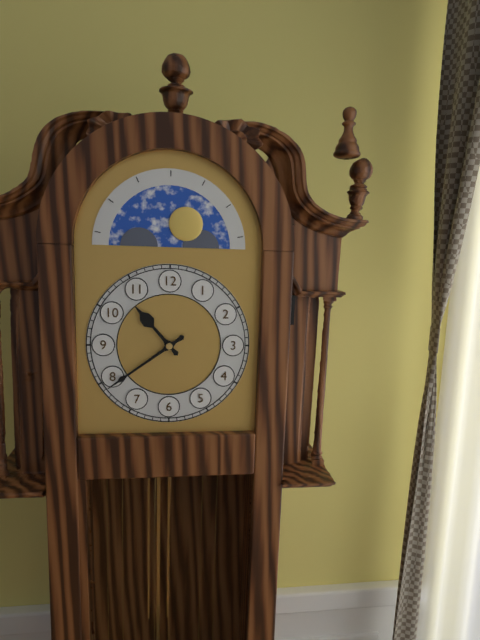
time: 10:39
